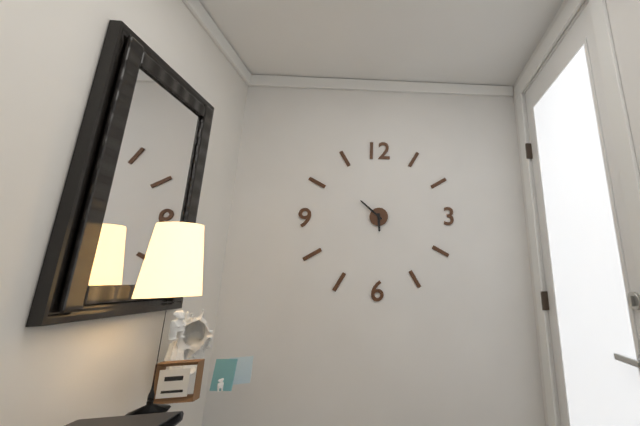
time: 5:52
